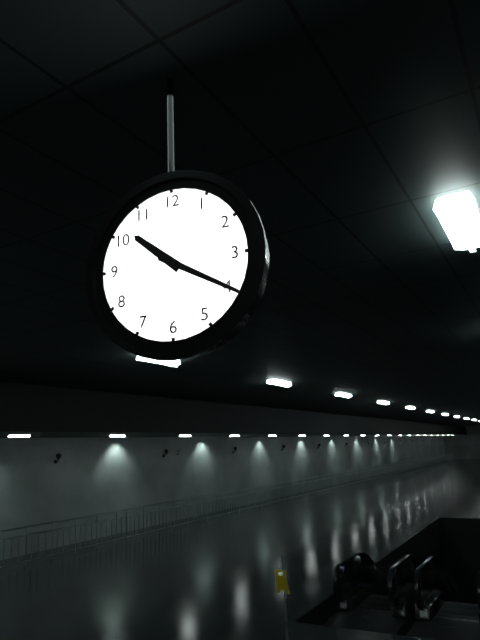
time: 10:20
